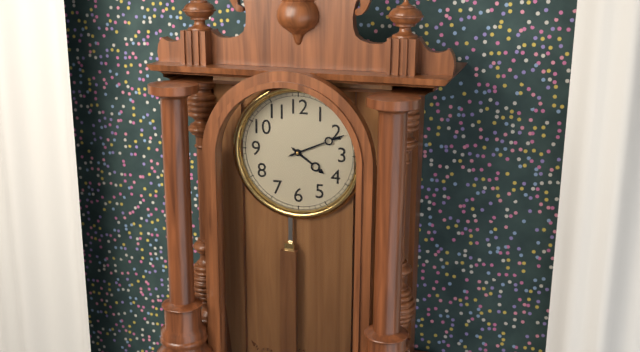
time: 4:11
